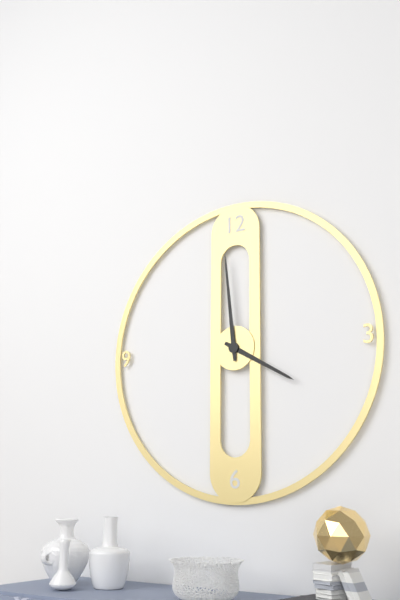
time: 3:59
